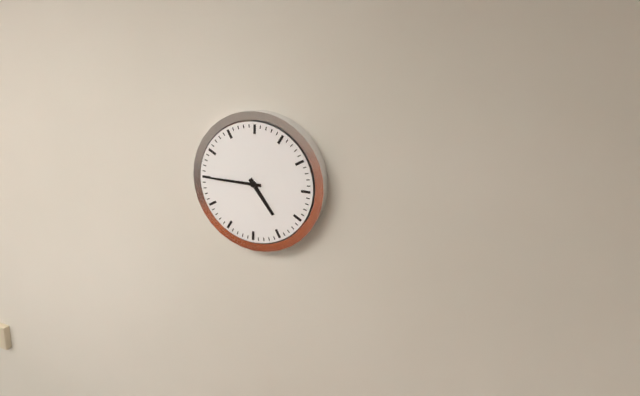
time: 4:45
